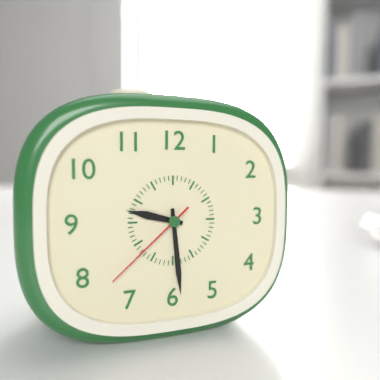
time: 9:29:38
